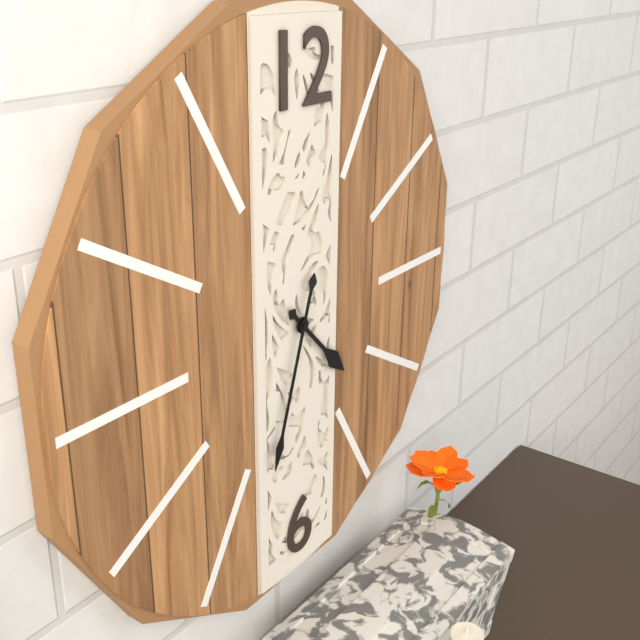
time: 4:33
